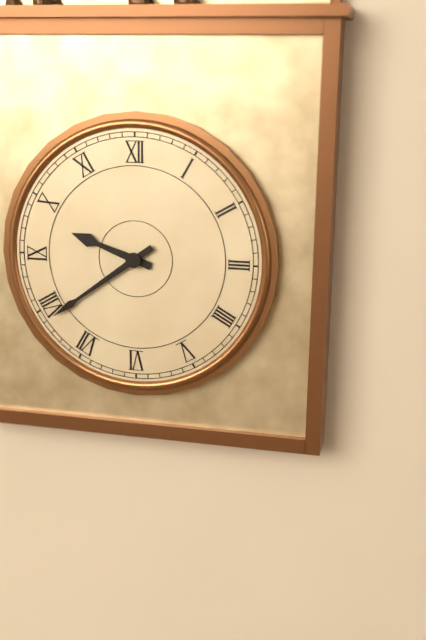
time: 9:39
